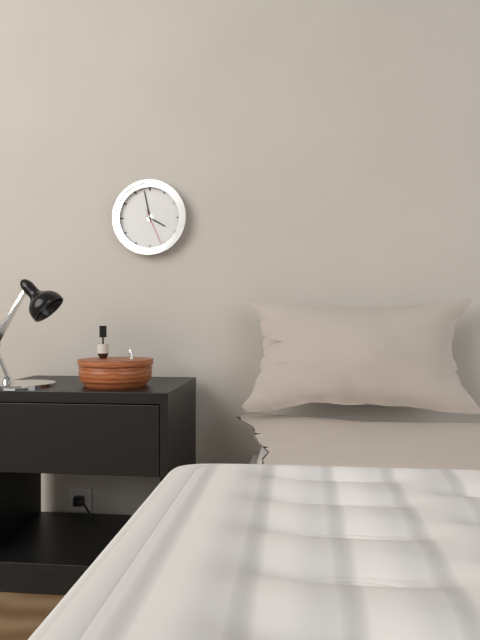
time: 3:58
